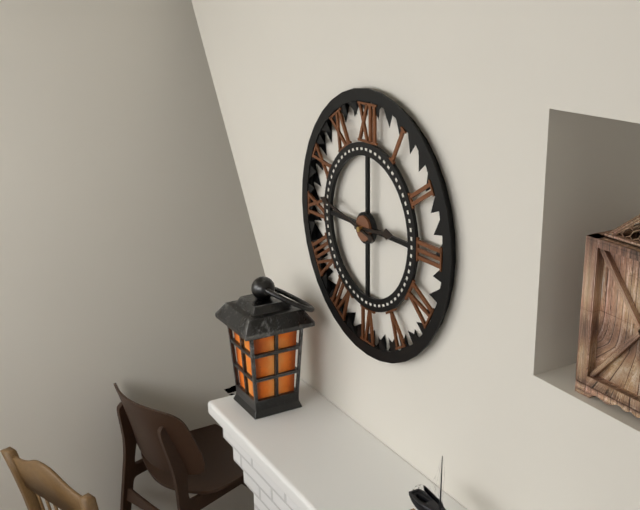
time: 2:47
